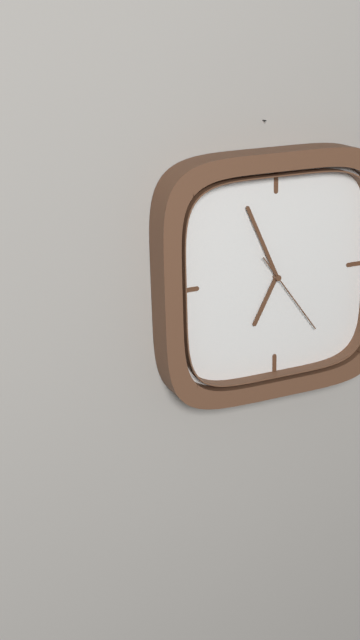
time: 6:56:24
